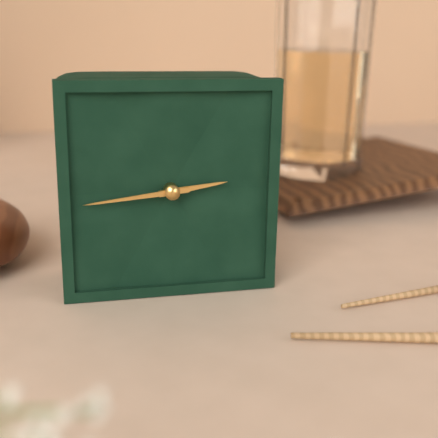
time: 2:44
